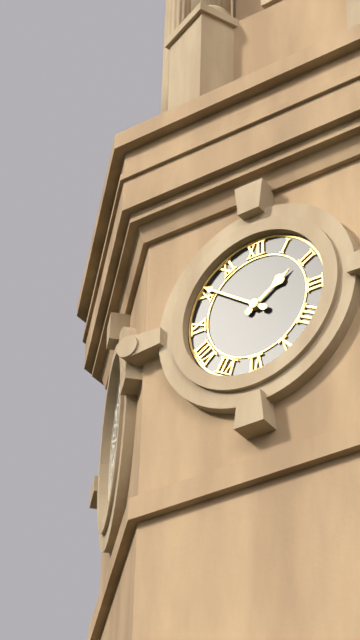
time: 1:51
